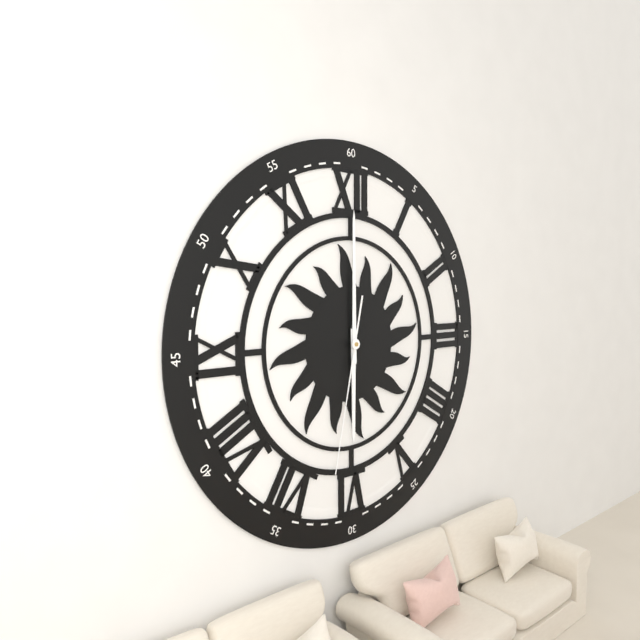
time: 6:00:32
